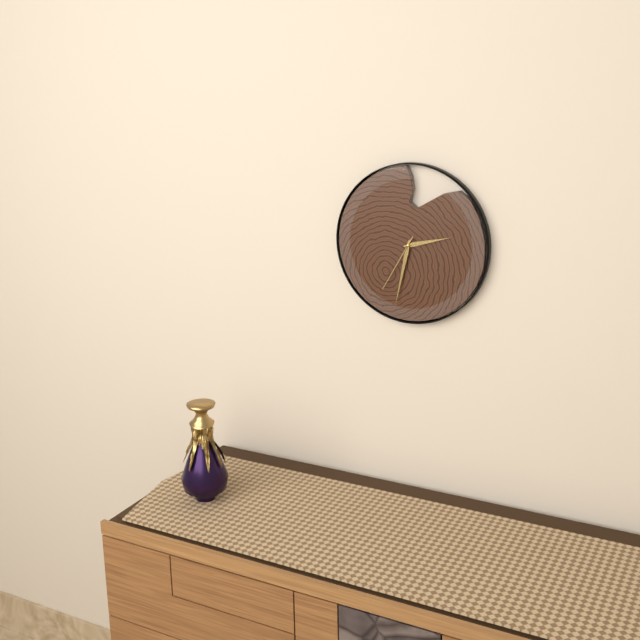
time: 2:32:35
